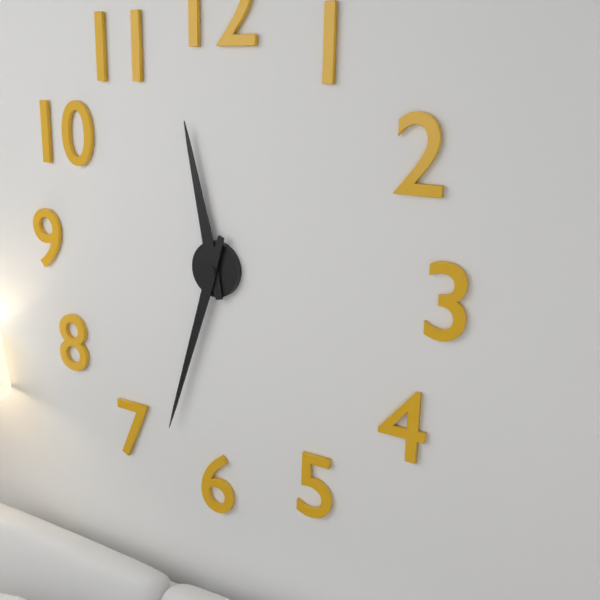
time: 11:33
